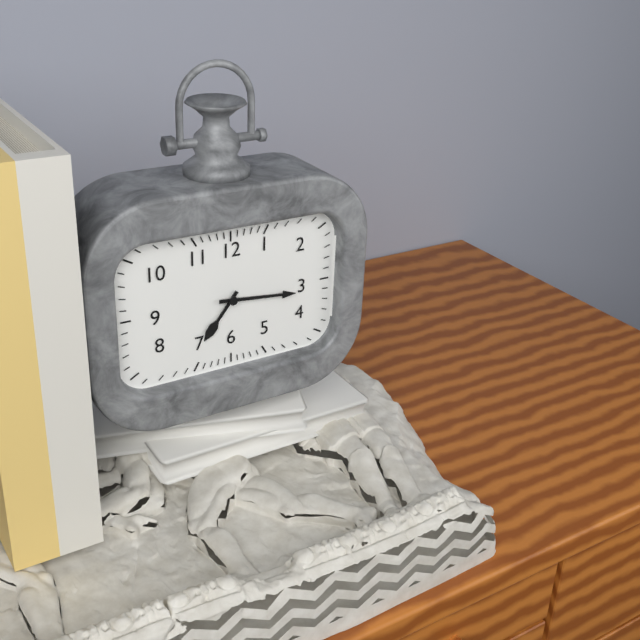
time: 7:16
